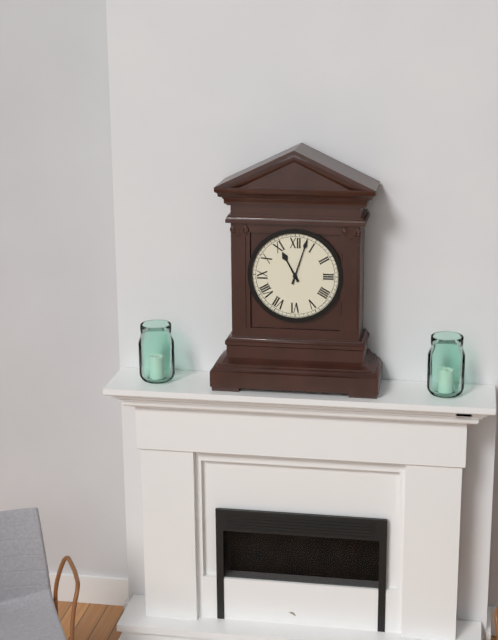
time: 11:03
